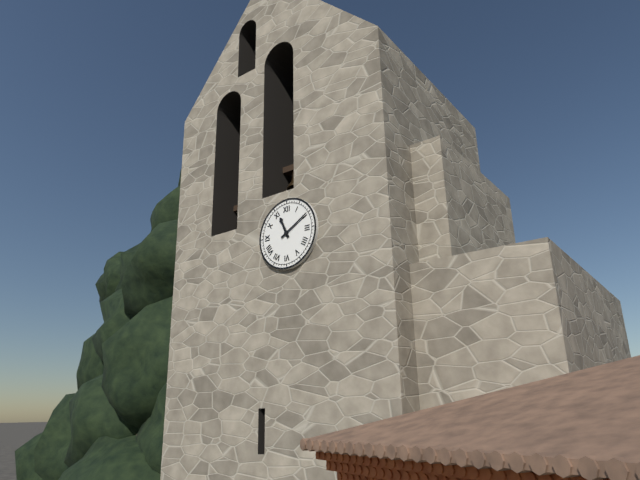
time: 11:10
